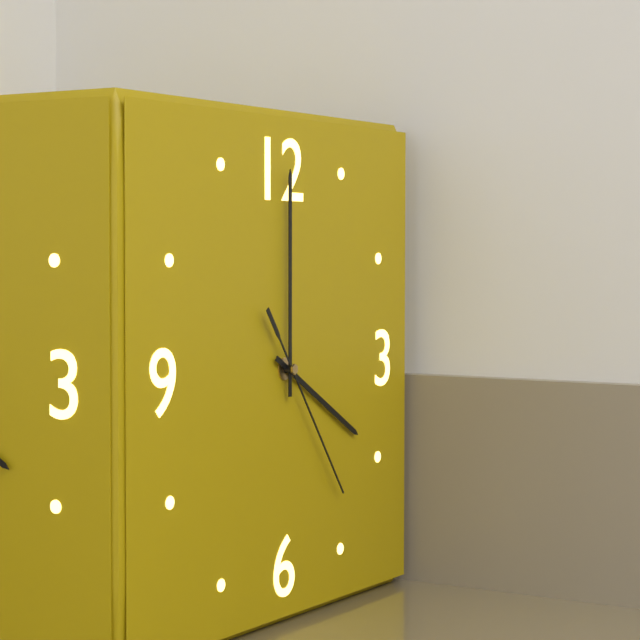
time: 4:00:24
